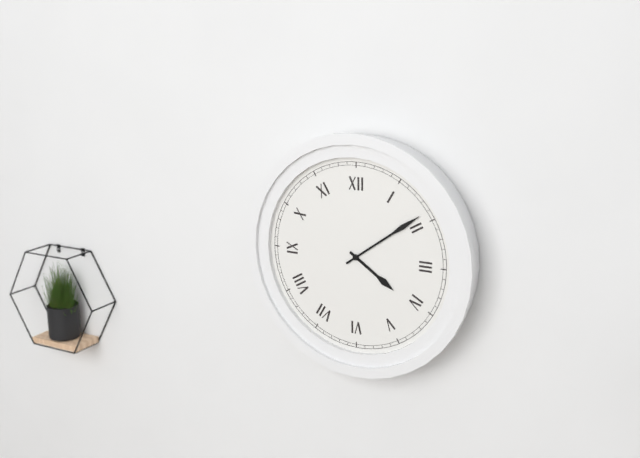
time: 4:09
